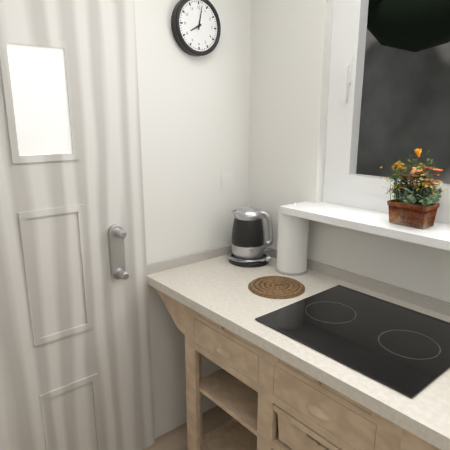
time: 8:02
